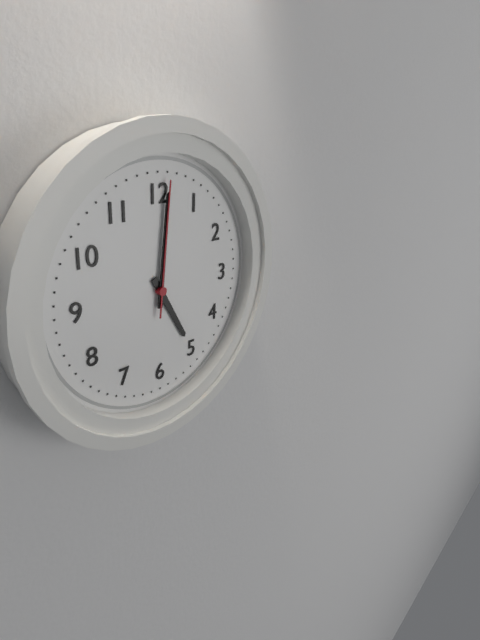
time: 5:01:01
